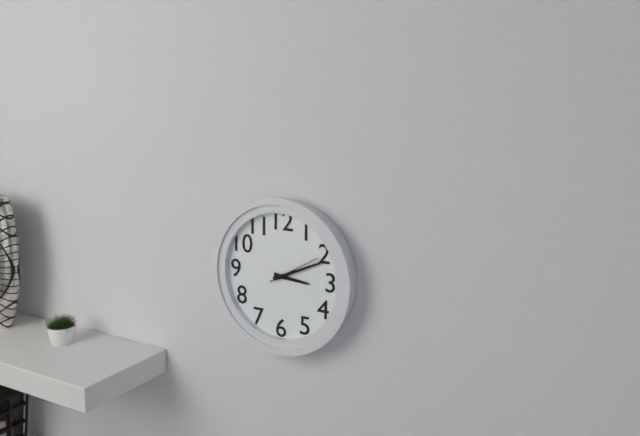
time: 3:11:10
